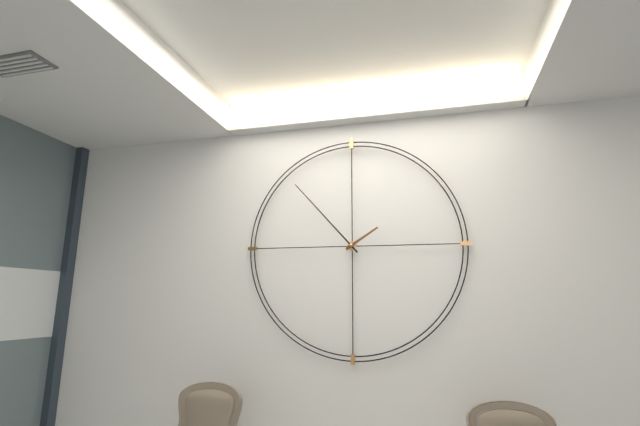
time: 1:53
